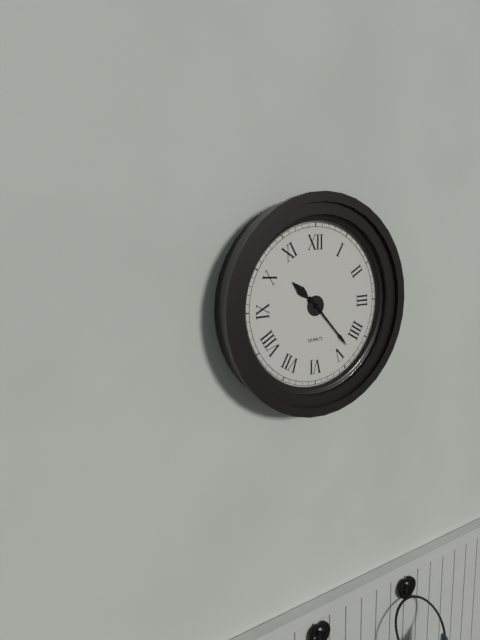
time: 10:23
